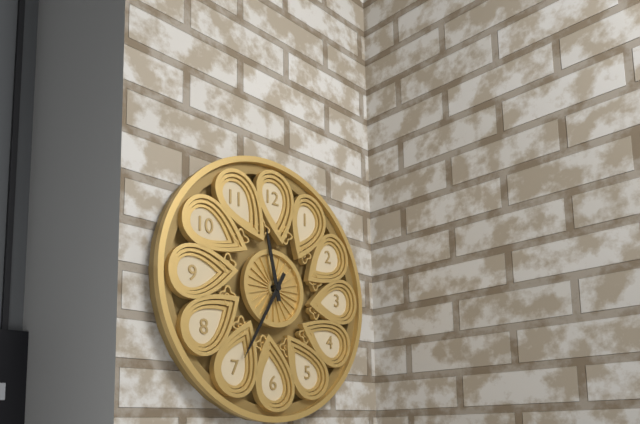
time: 11:35
